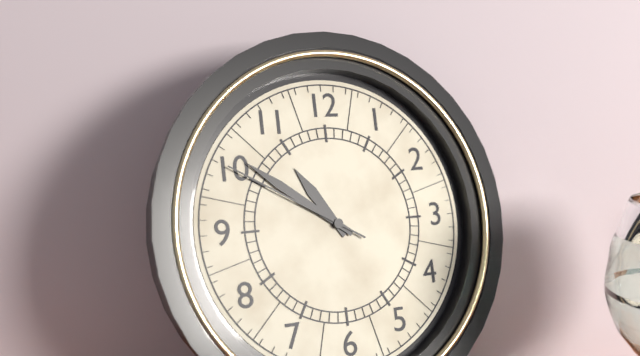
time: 10:51:50
